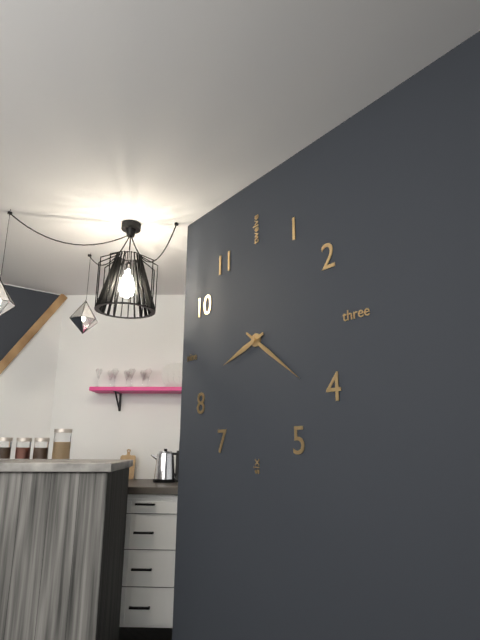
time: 8:21
